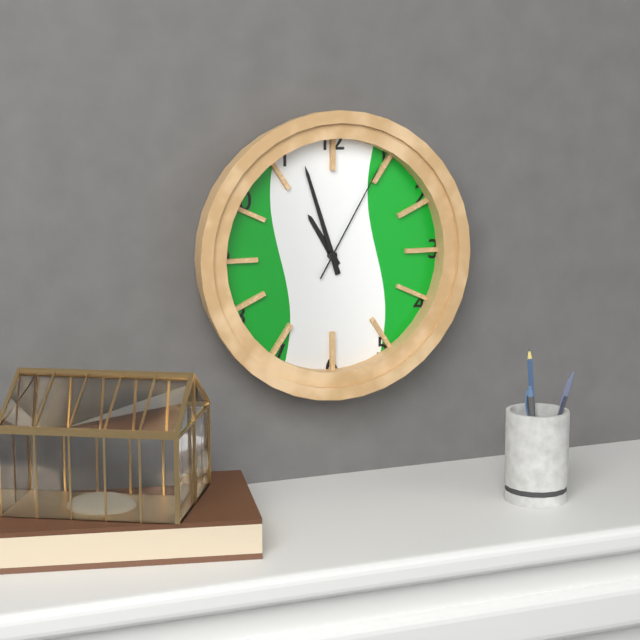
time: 10:57:05
